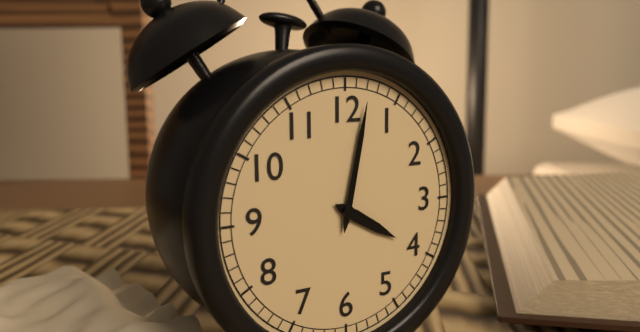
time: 4:02
